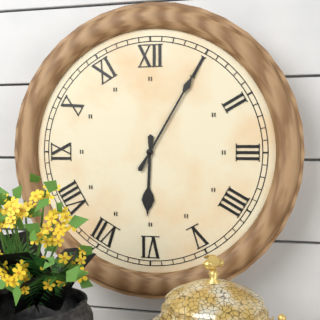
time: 6:05
